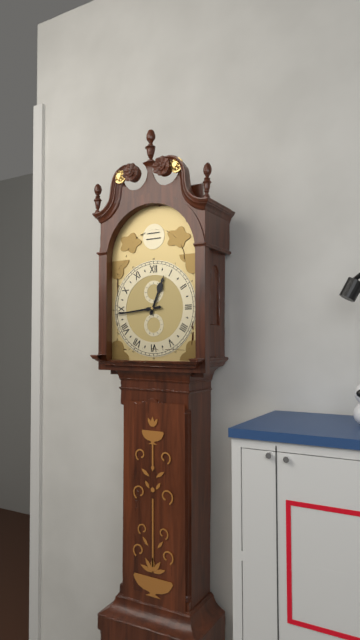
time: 12:44
